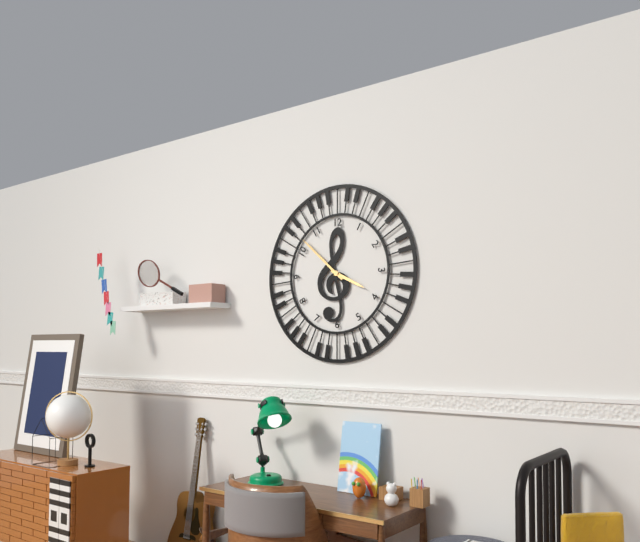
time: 3:52
